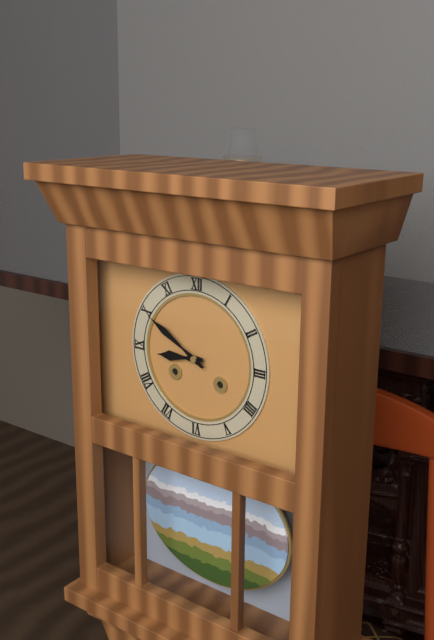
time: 8:50
